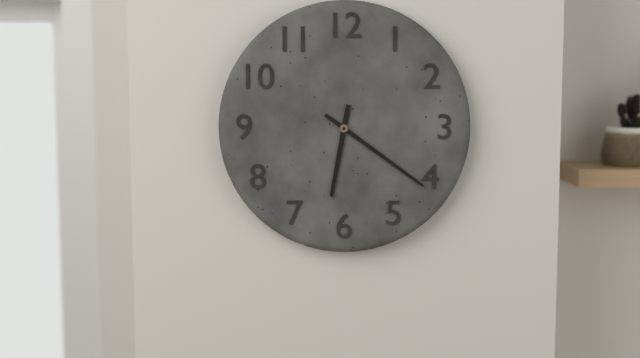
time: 6:21
